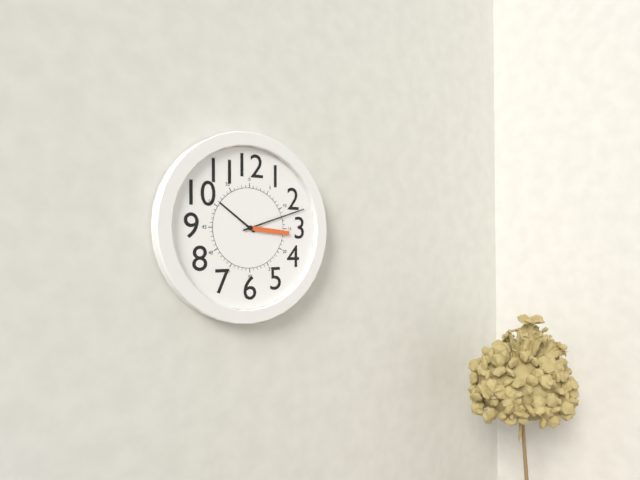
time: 10:12
